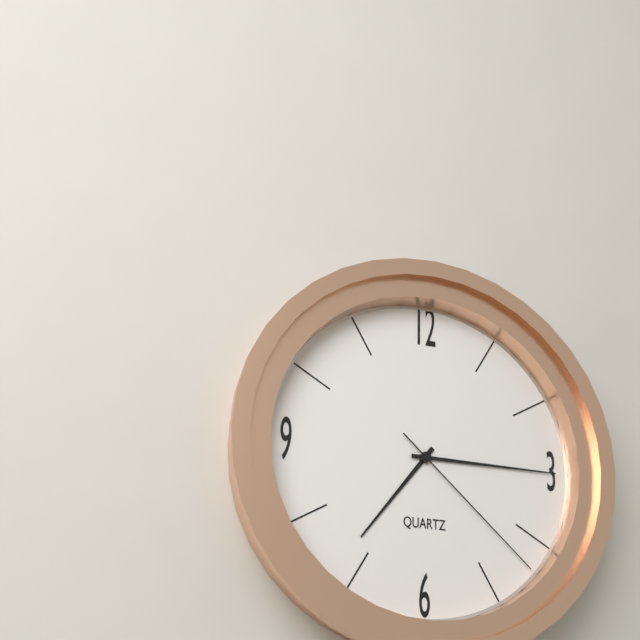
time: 7:15:22
